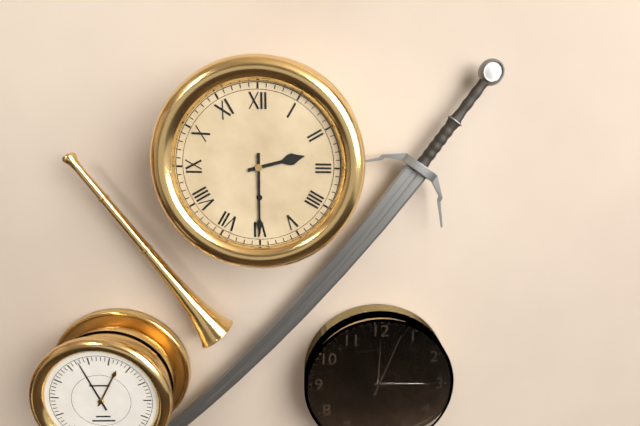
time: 2:30
